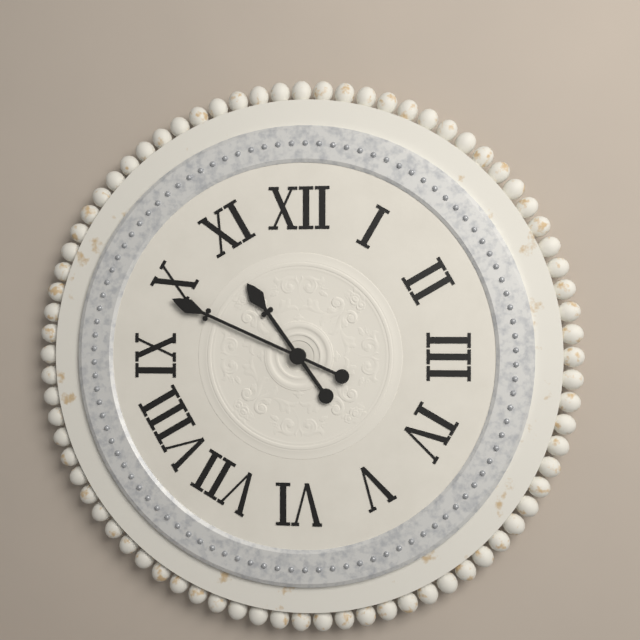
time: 10:49
